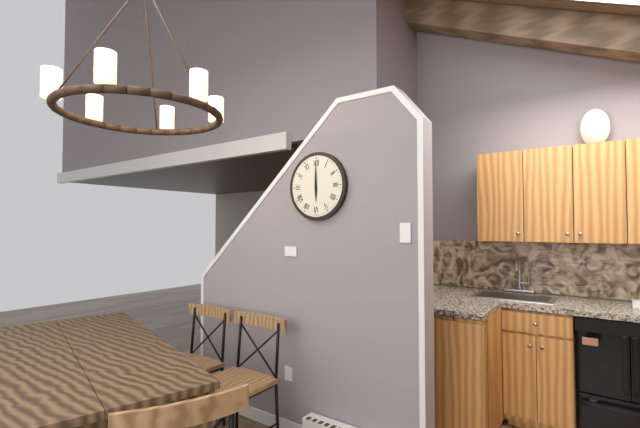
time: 6:00
